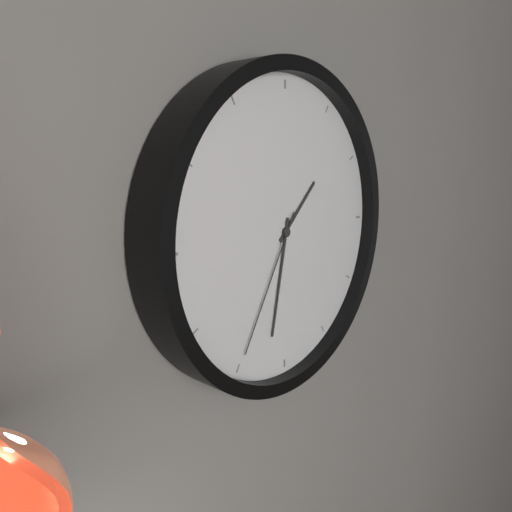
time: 1:32:35
